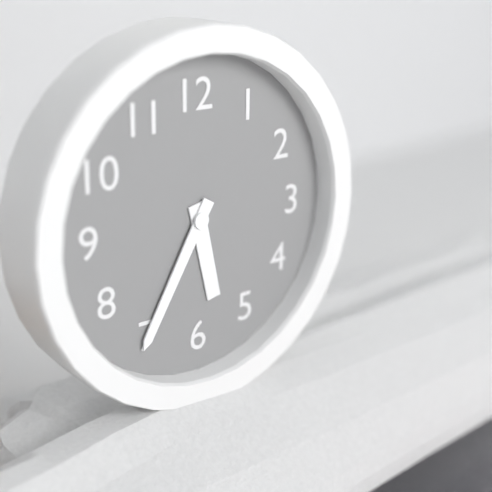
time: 5:35
